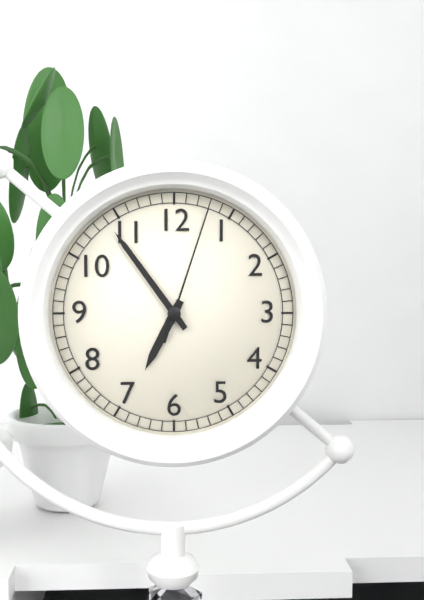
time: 6:54:03
